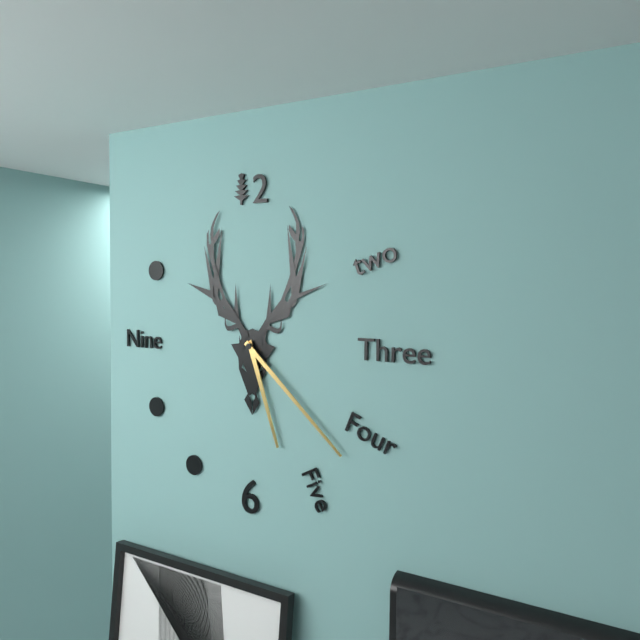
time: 5:22
